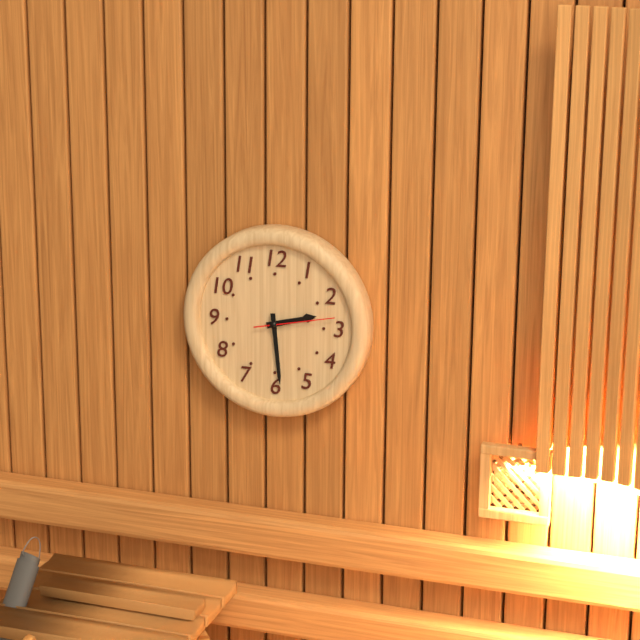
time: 2:29:13
